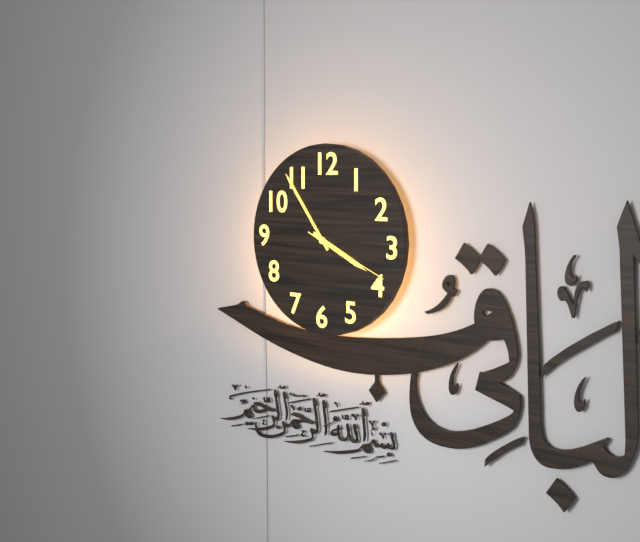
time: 3:54:19
